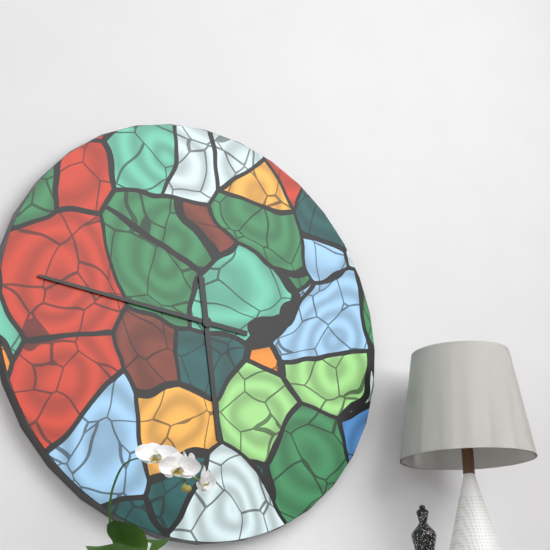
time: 5:46
